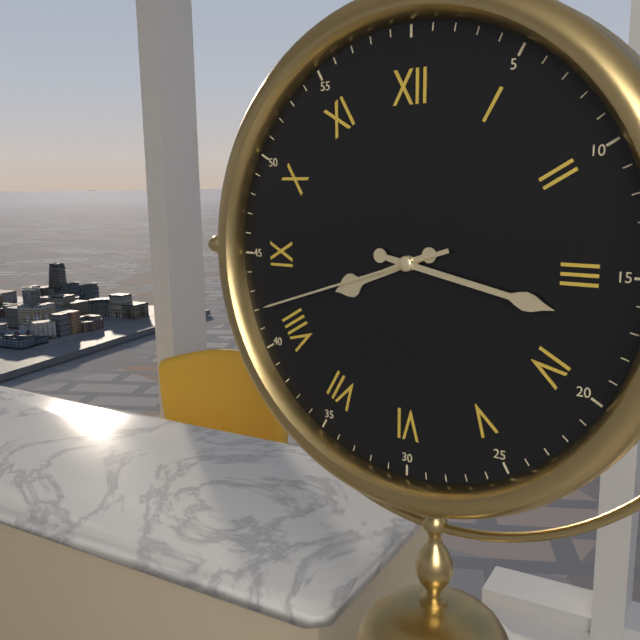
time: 8:17:42
